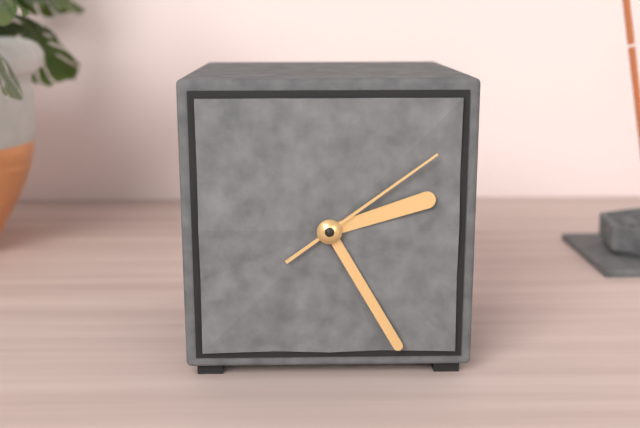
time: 2:25:09
